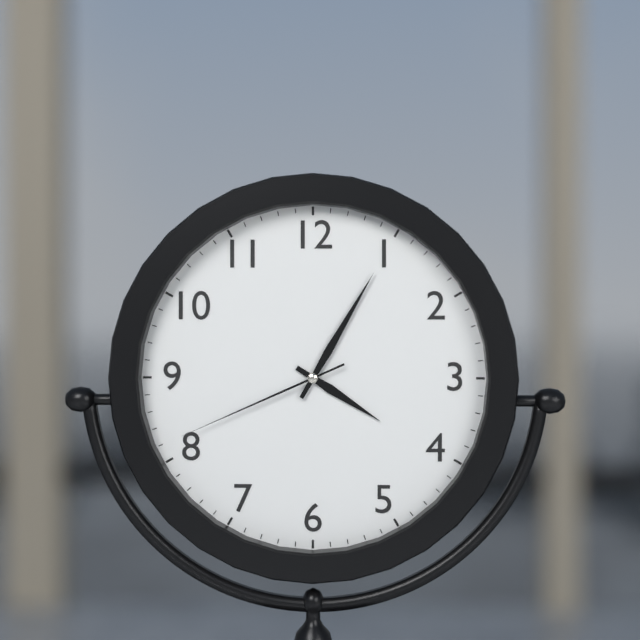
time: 4:05:41
